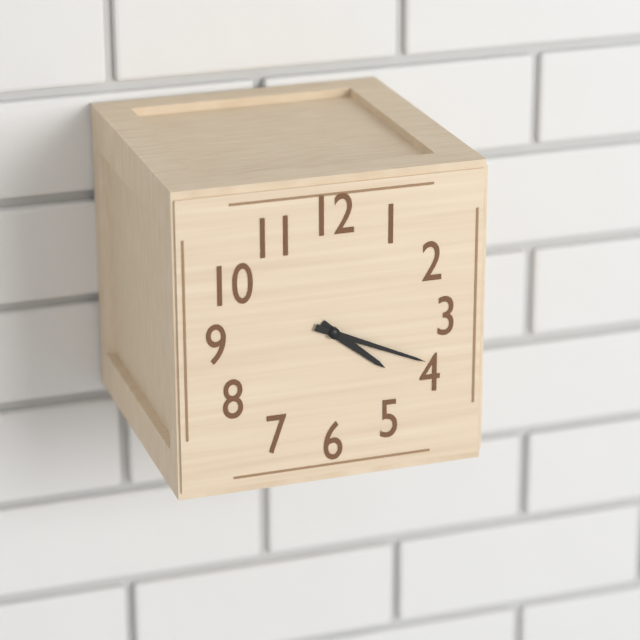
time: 4:19
